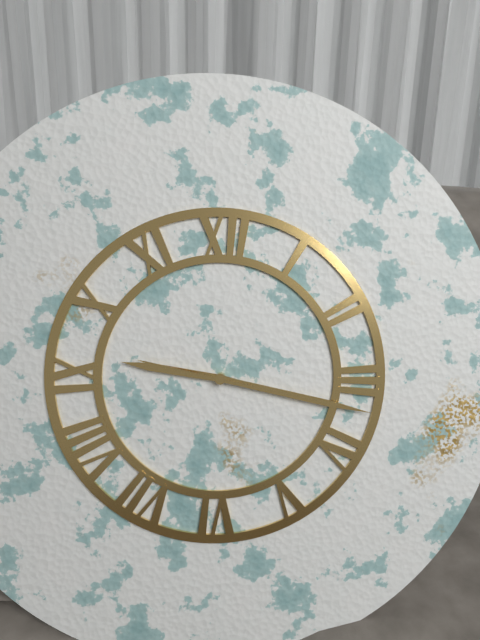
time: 9:17:47
